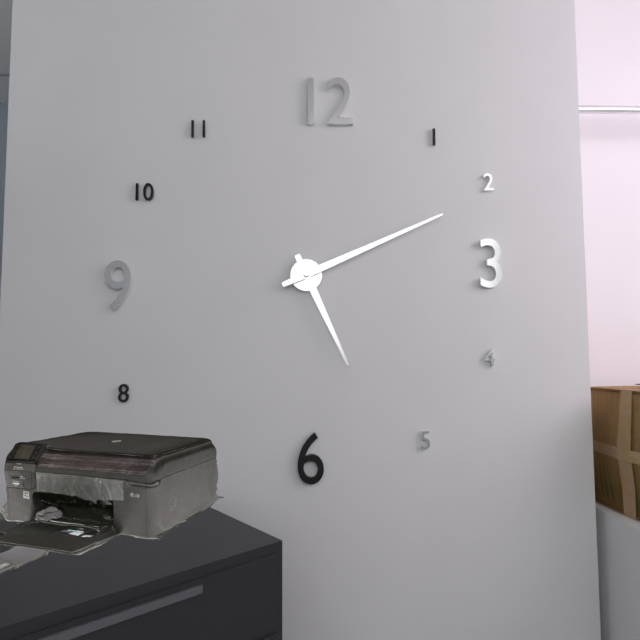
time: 5:11
